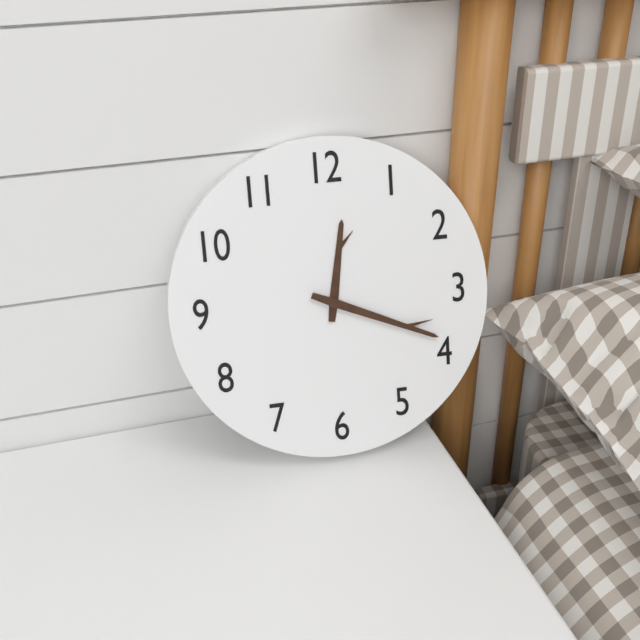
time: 12:19
